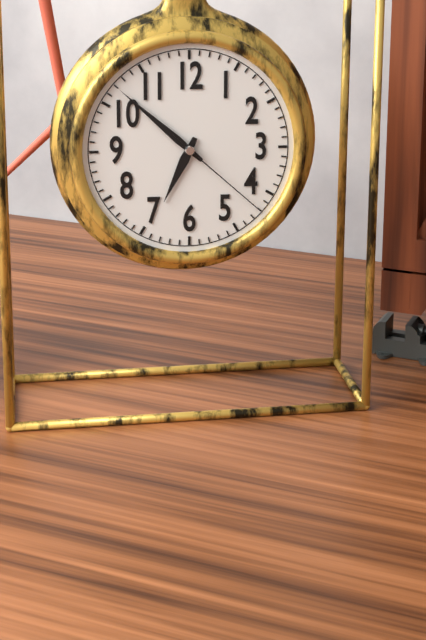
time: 6:52:22
